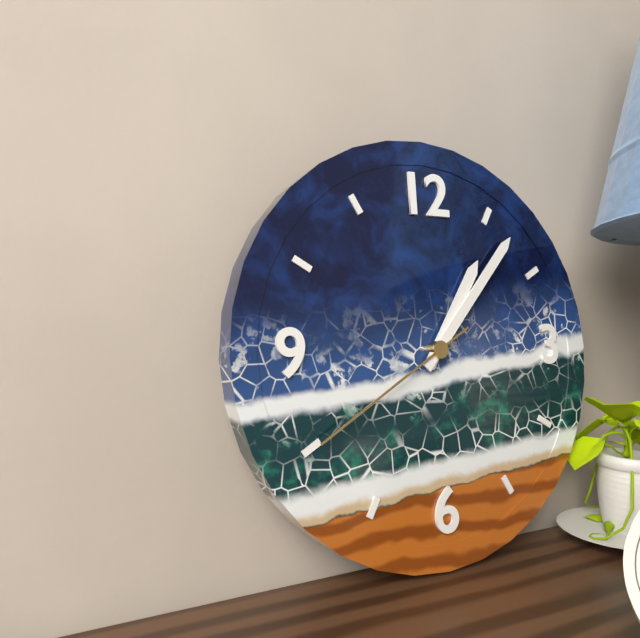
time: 1:07:40
